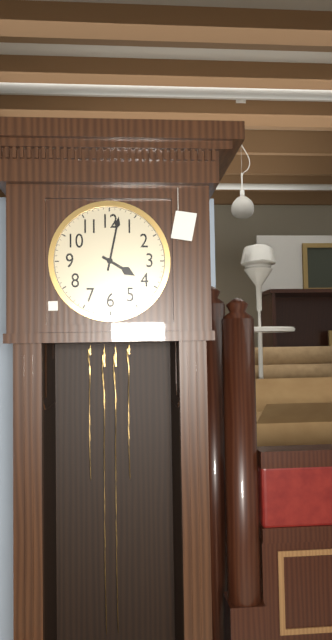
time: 4:02
